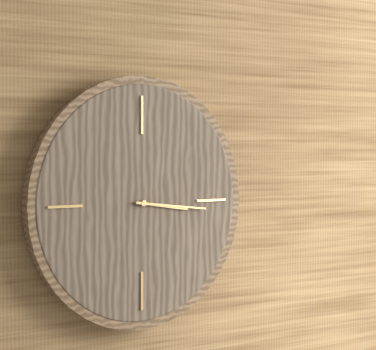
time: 3:16
